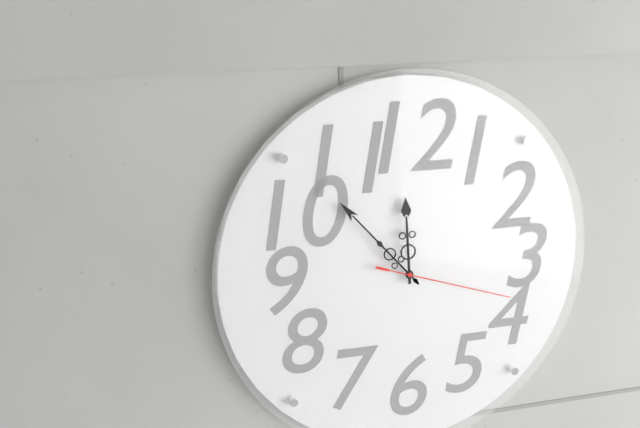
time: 11:53:18
